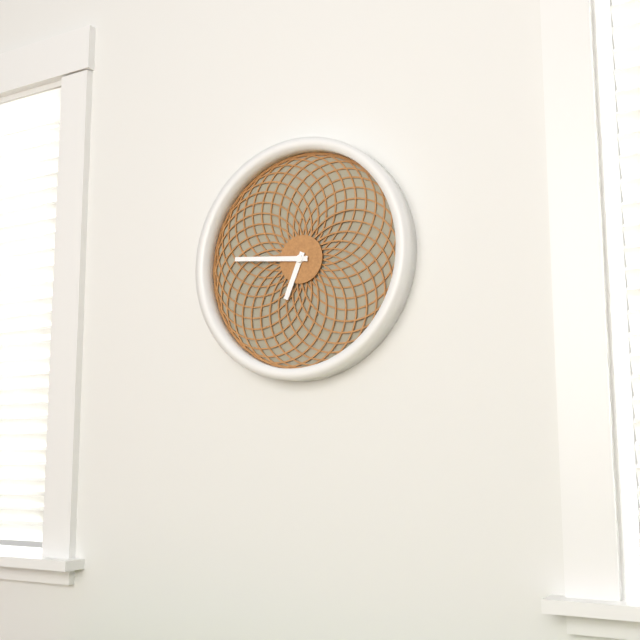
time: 6:46
